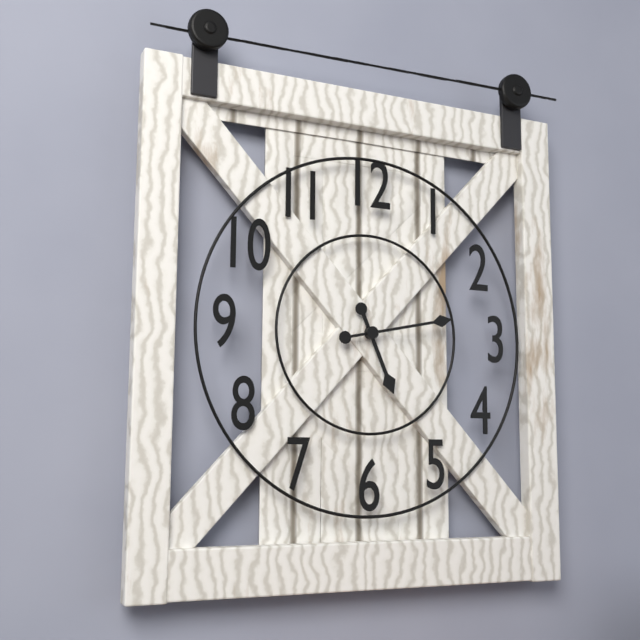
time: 5:13
